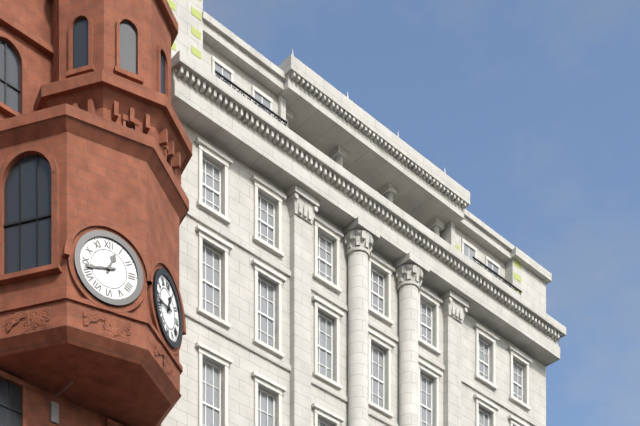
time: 12:43
